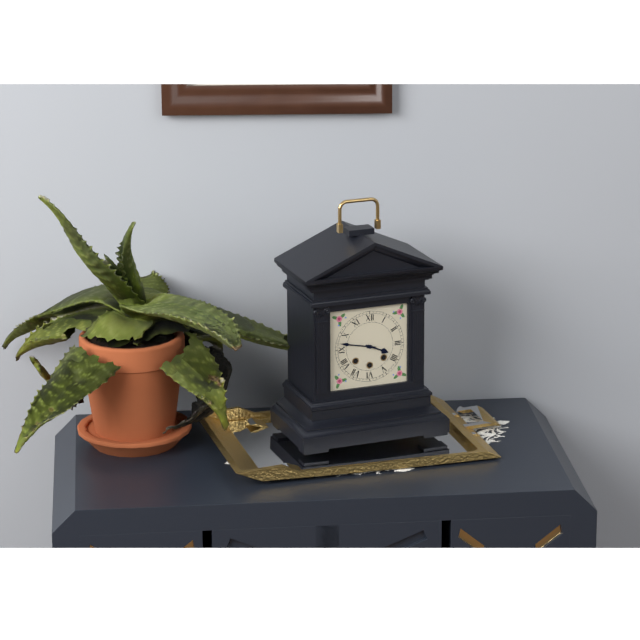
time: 3:47
